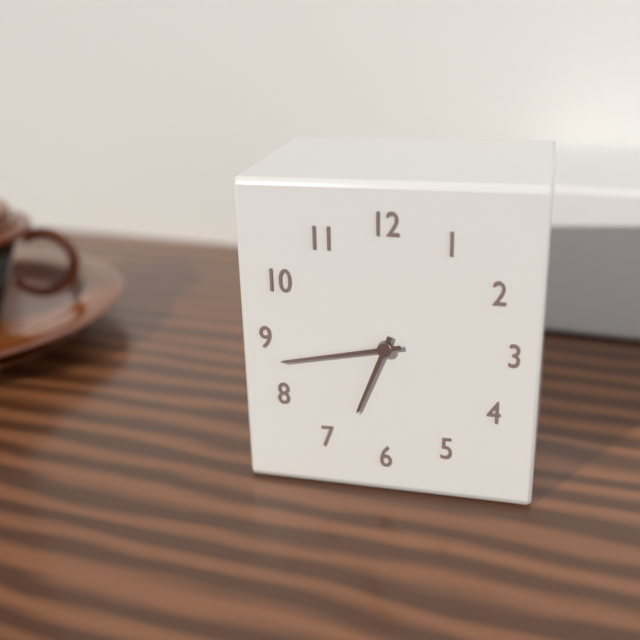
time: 6:43
